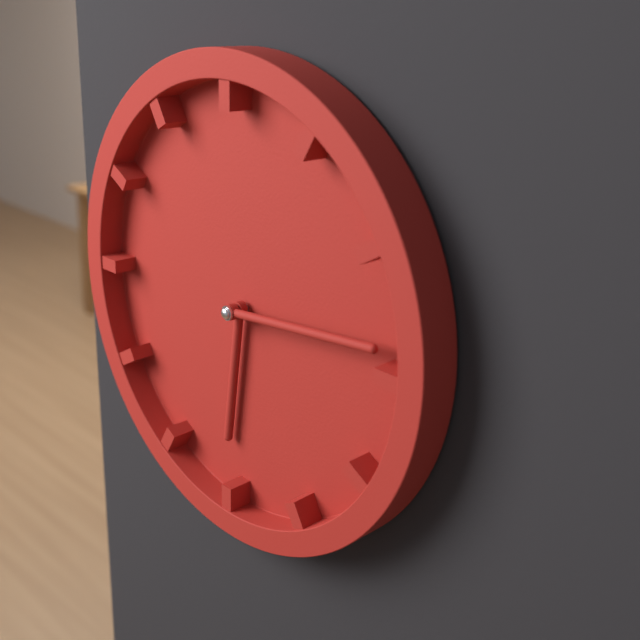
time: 6:14
